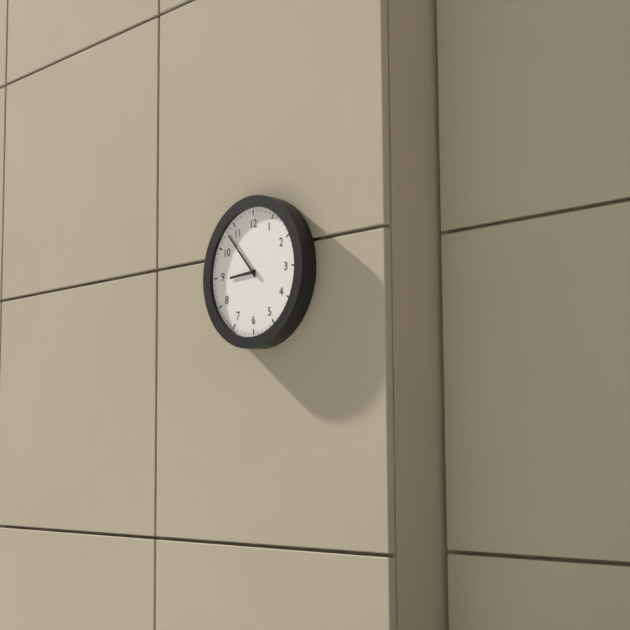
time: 8:53
